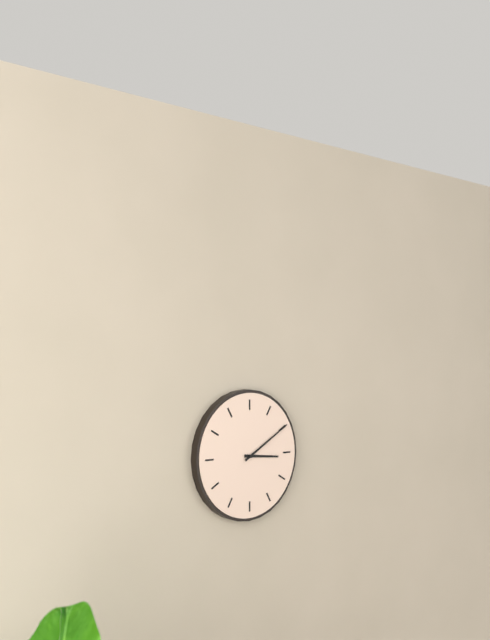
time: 3:10
